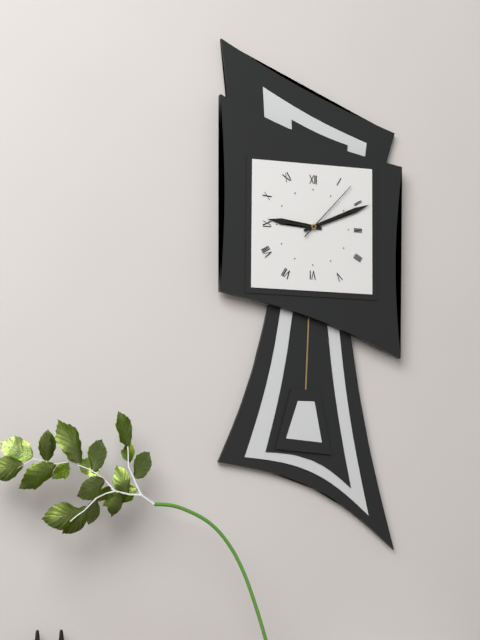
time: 9:11:07
